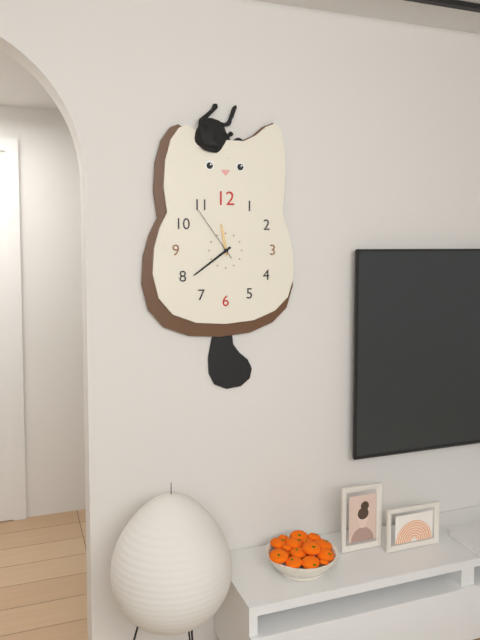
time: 11:39:54
